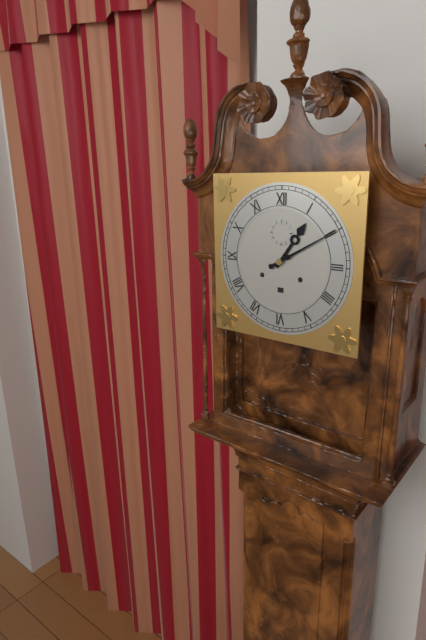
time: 1:10
